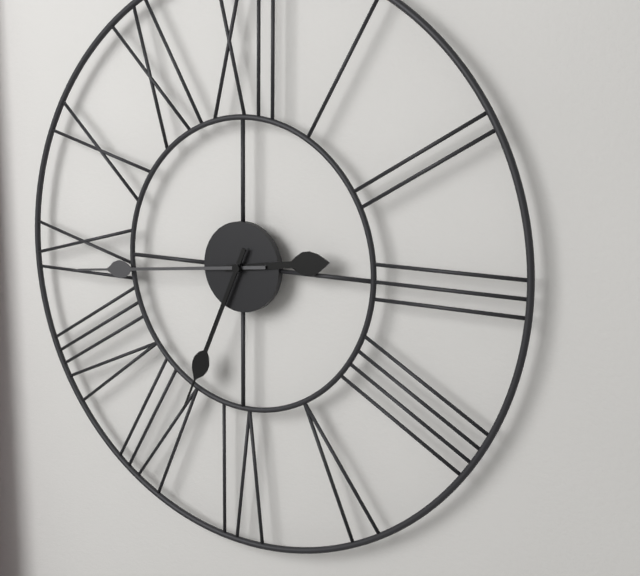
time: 2:44:34
